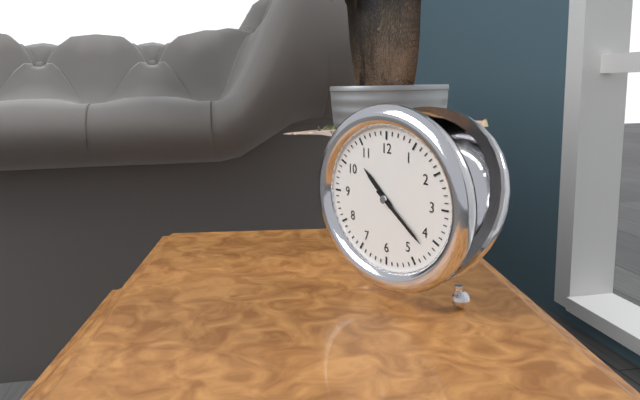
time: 10:21
